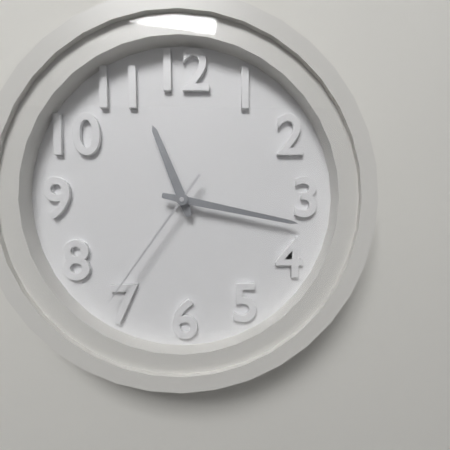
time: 11:17:36
